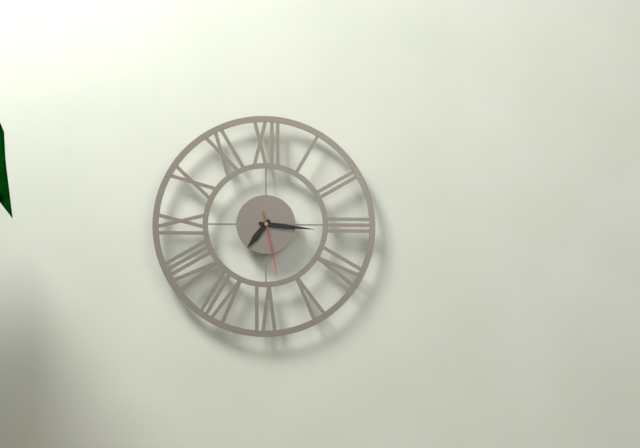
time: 7:16:28
